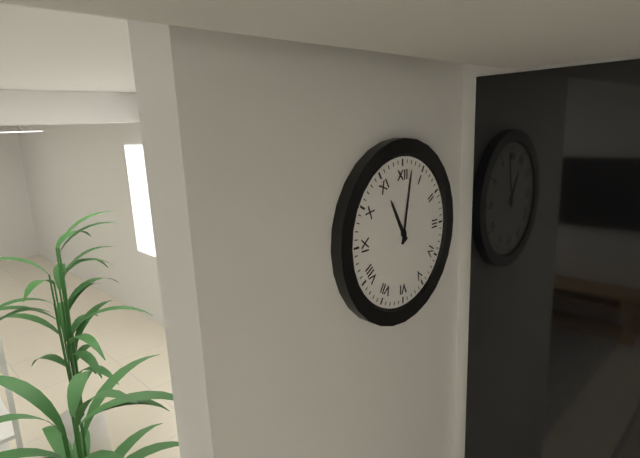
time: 11:02
